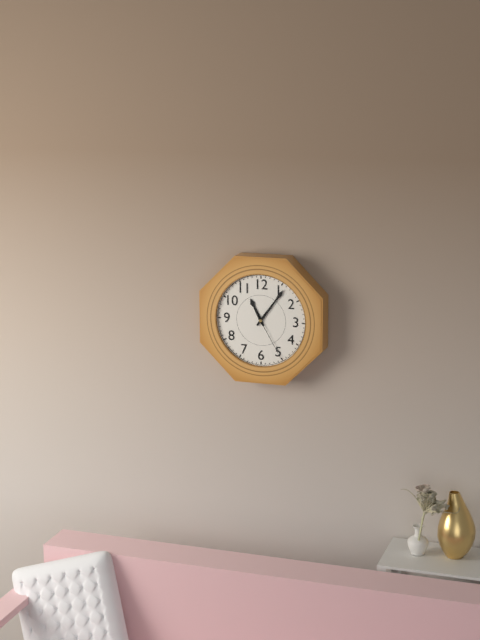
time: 11:06:25
